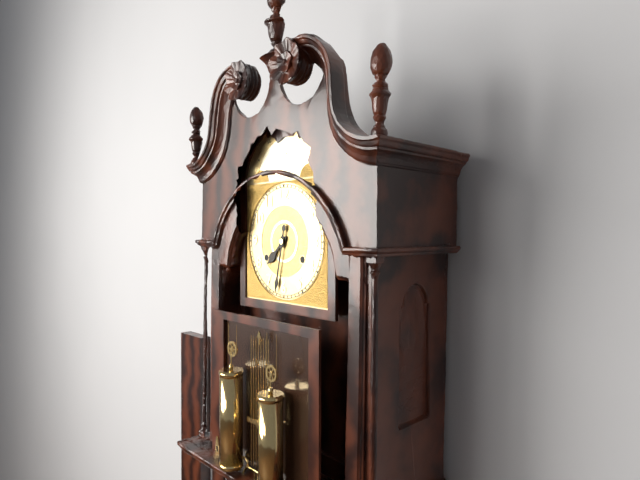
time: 7:32
